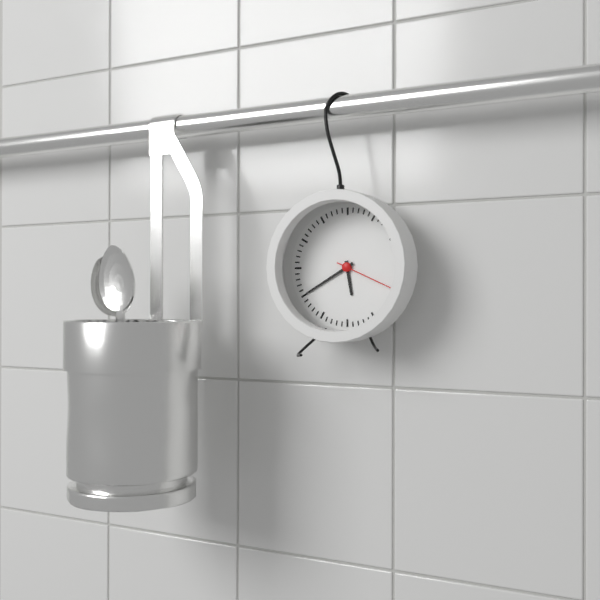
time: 5:40:19
